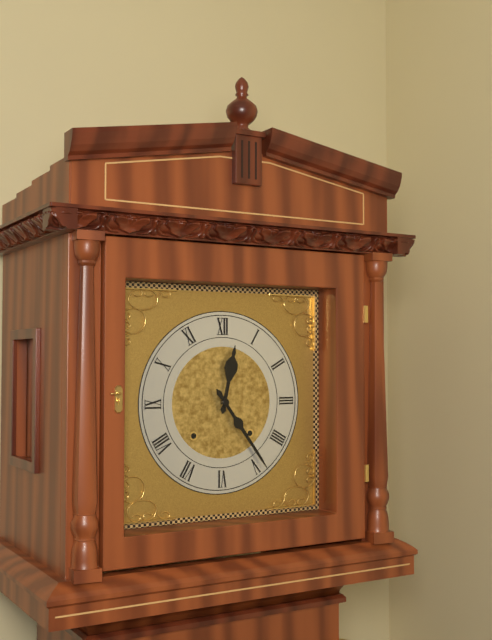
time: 12:24
